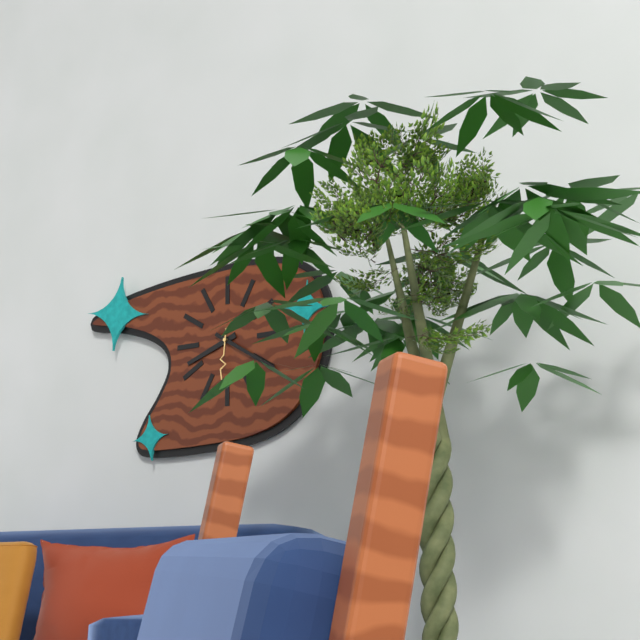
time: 8:20:31
